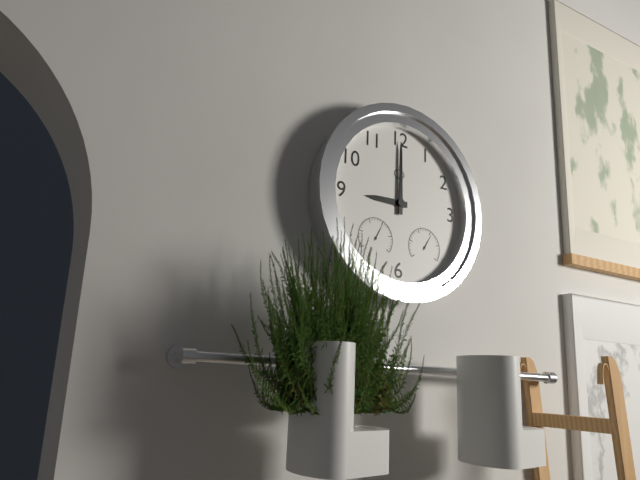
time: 9:00
